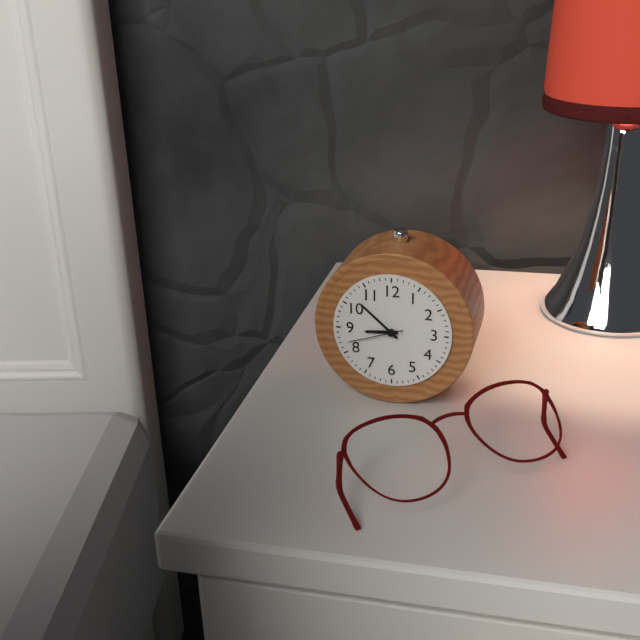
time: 8:52:42
